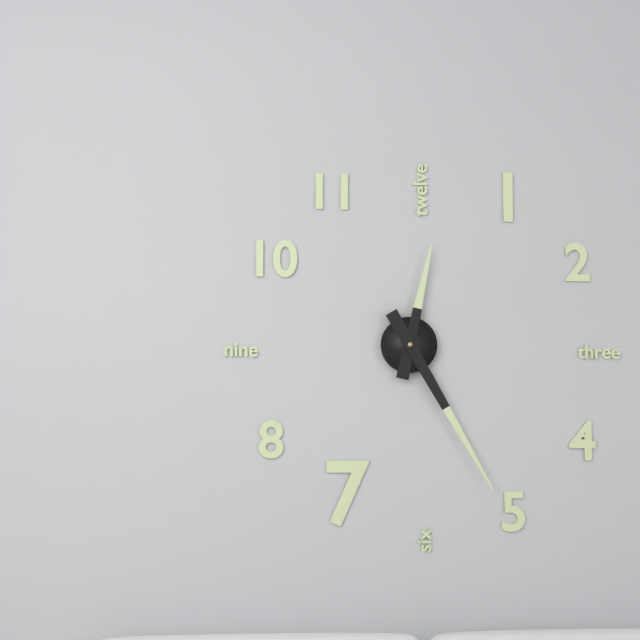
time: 12:25
